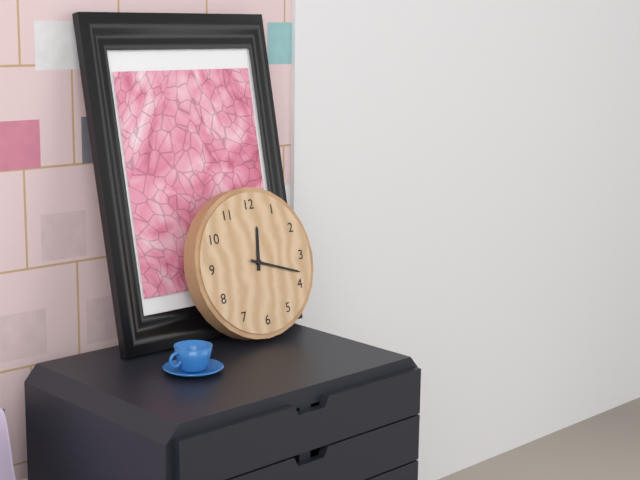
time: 12:18
